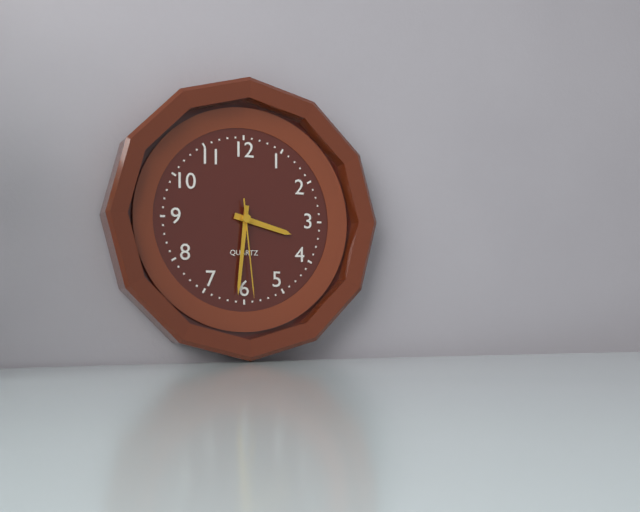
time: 3:31:29
